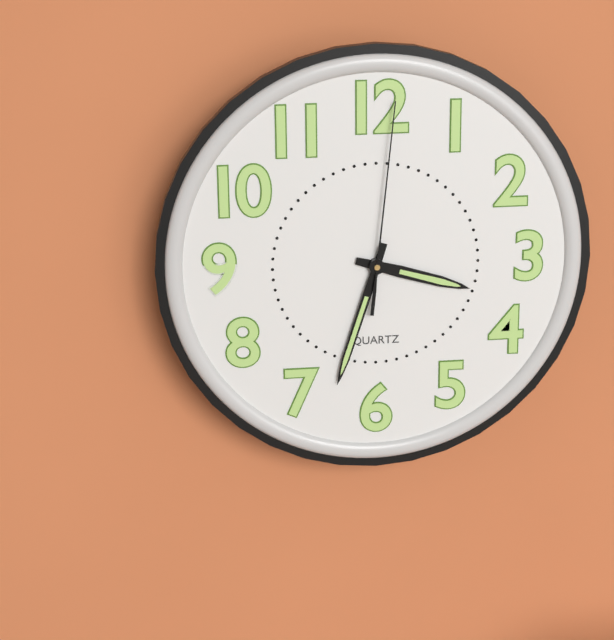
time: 3:33:01
